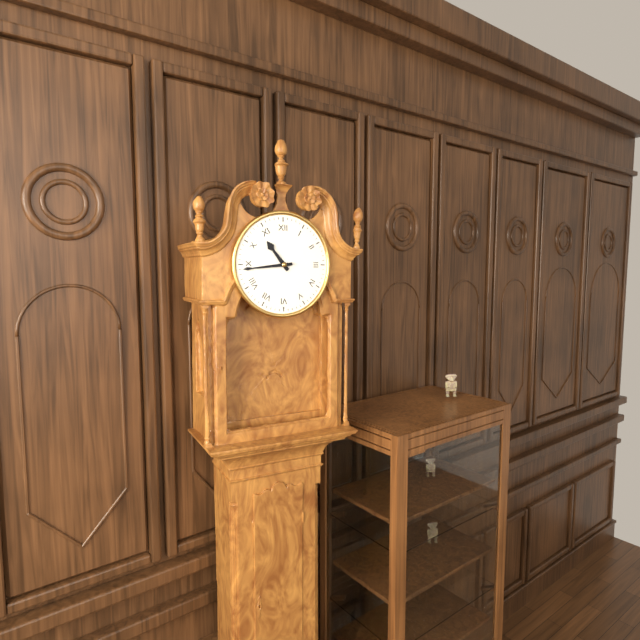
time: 10:44
